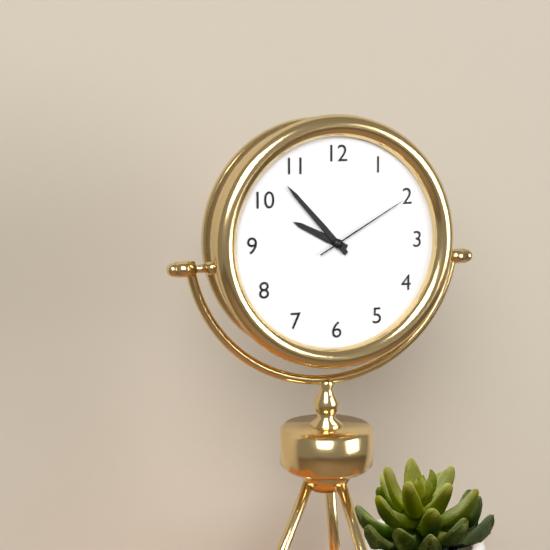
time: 9:53:10
